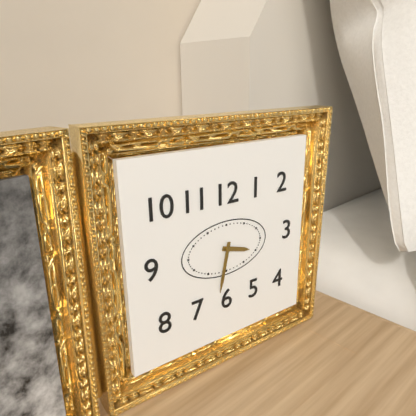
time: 3:32
